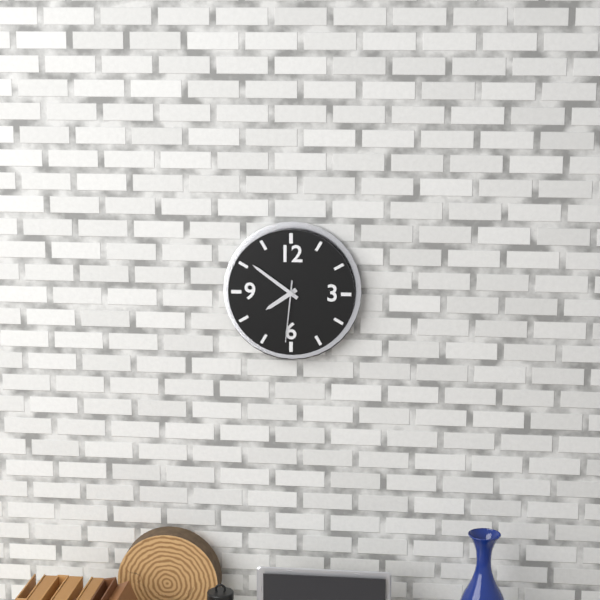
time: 7:51:31
